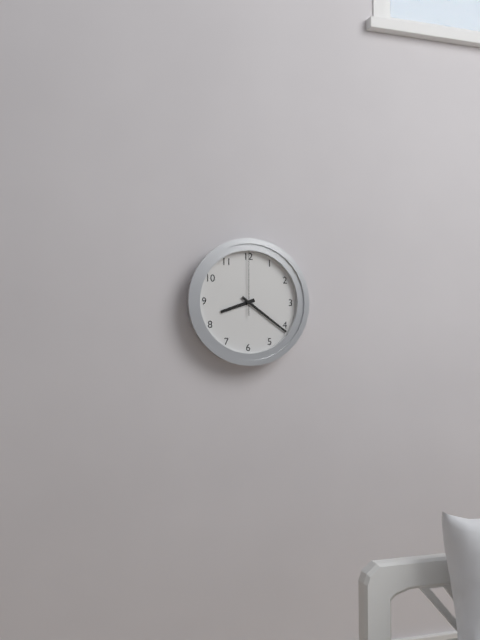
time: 8:21:00
